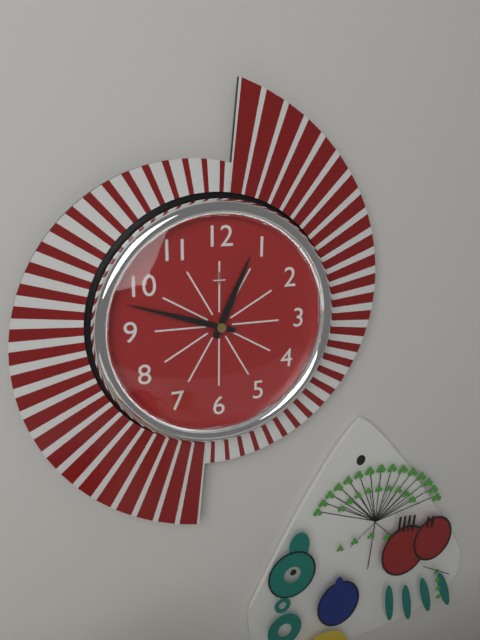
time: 12:48
